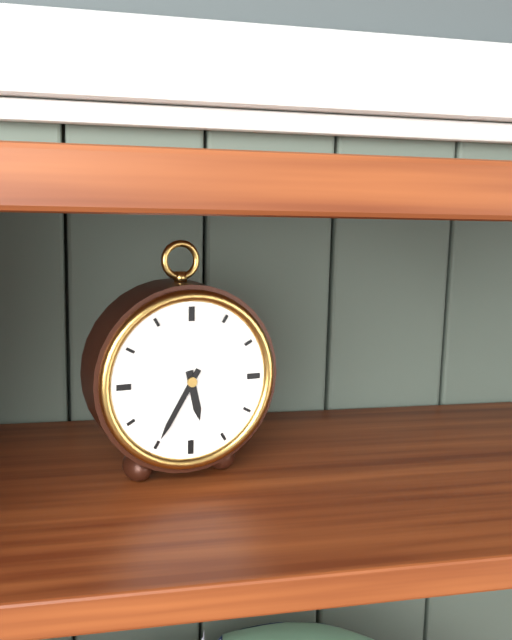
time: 5:35
